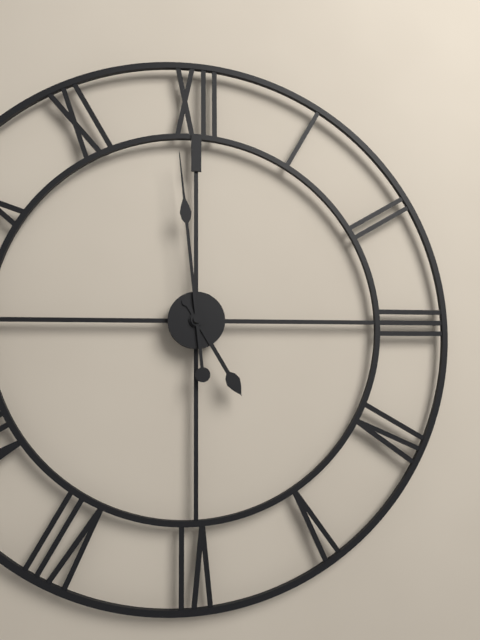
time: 4:59
